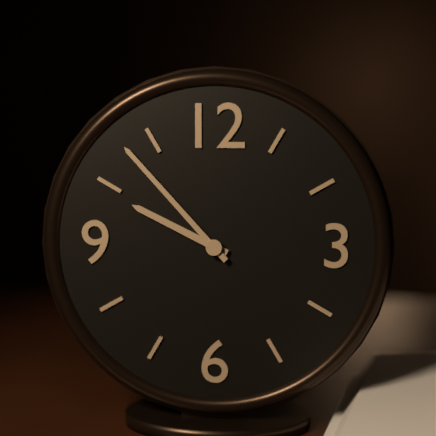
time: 9:53
